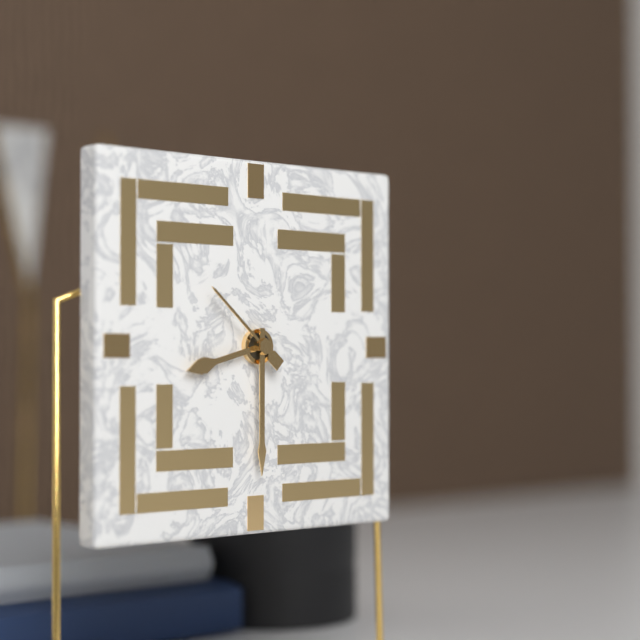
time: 8:30:52
